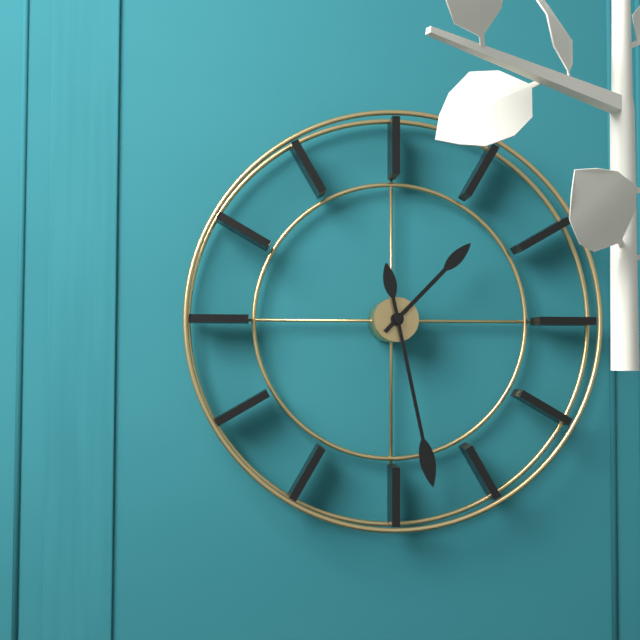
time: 1:28
